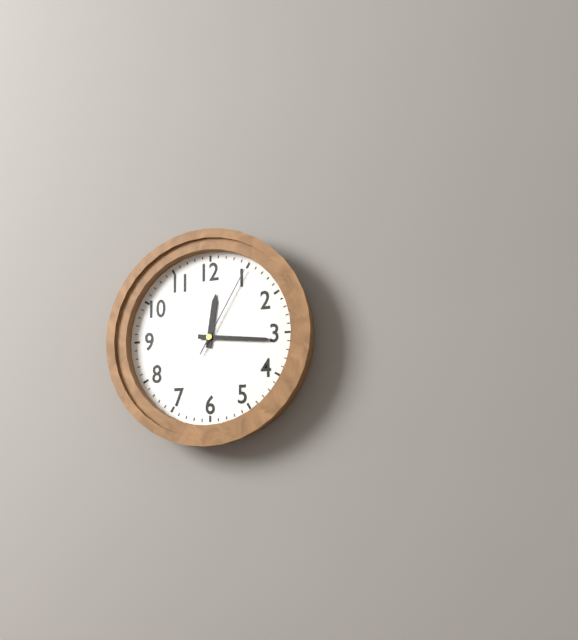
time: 12:16:05
